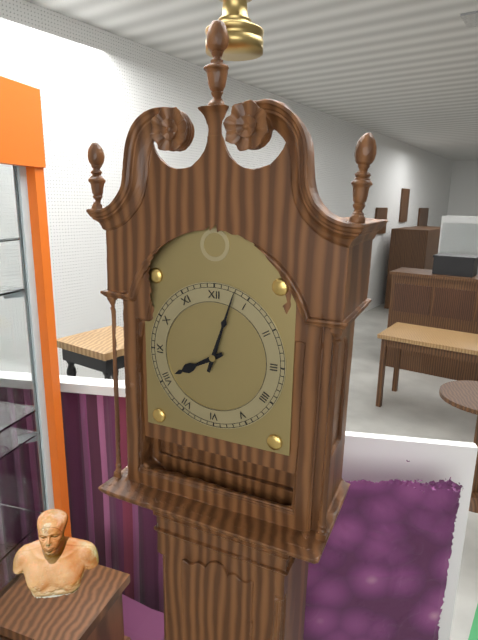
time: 8:03
